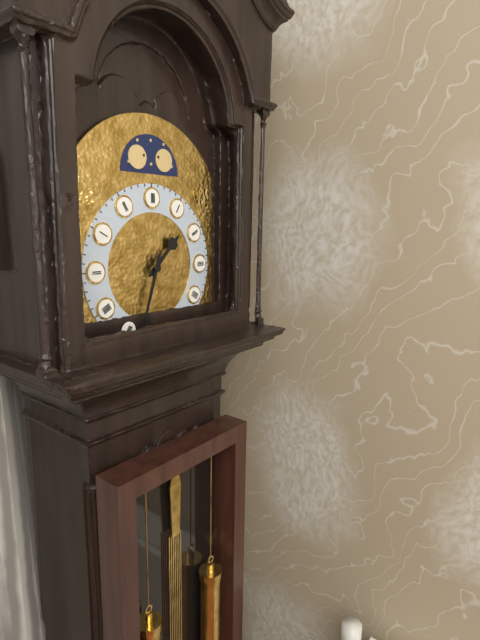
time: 1:33
